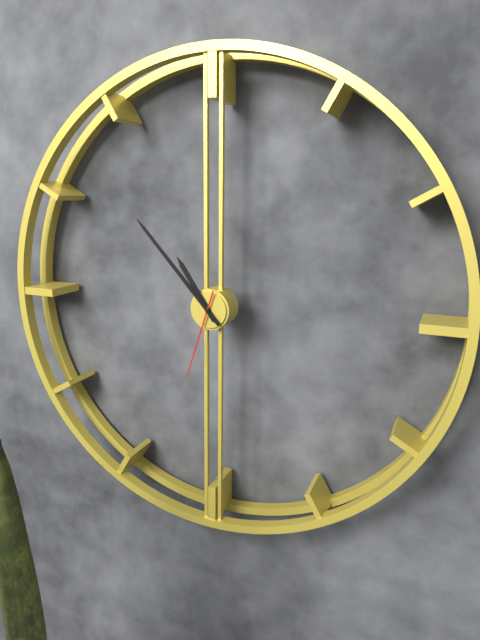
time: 10:53:33
